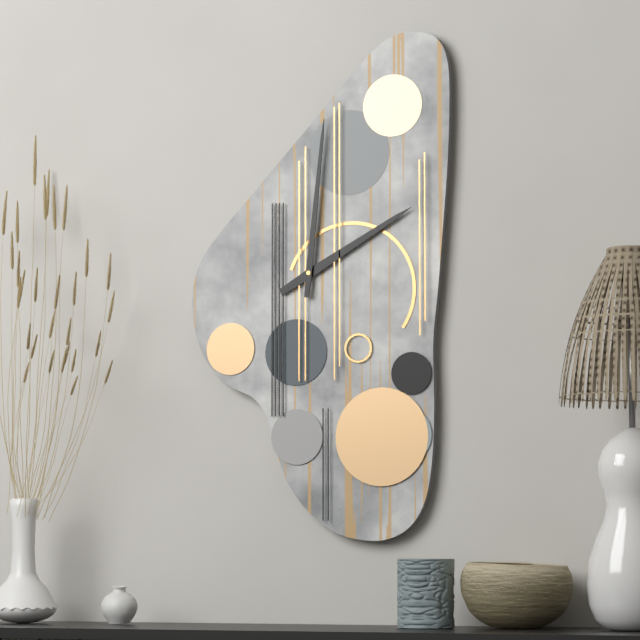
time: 2:01
